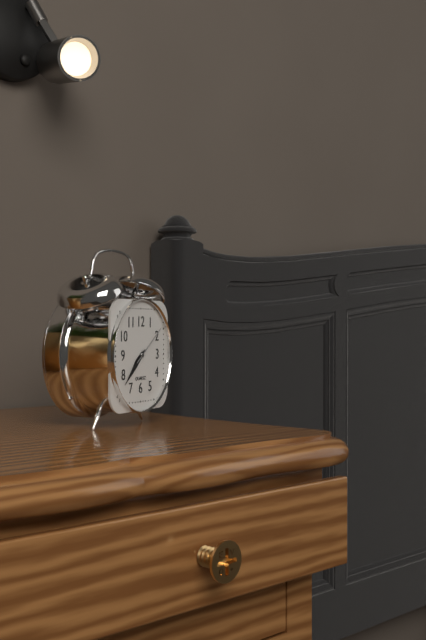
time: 7:38
